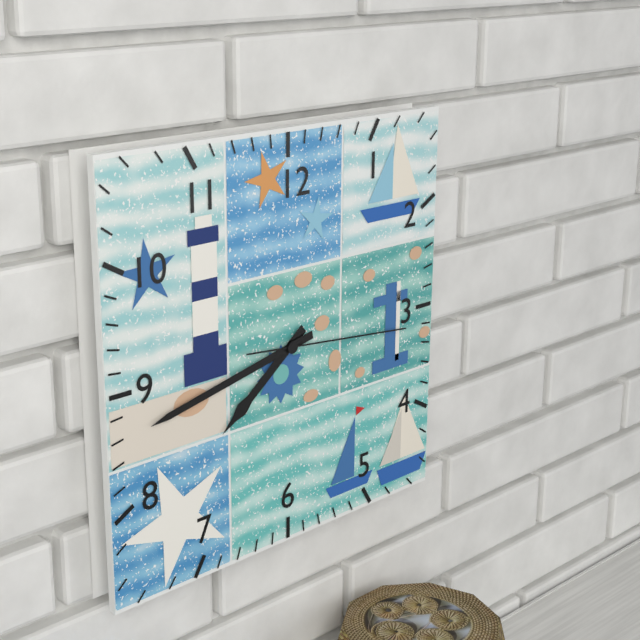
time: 7:43:16
